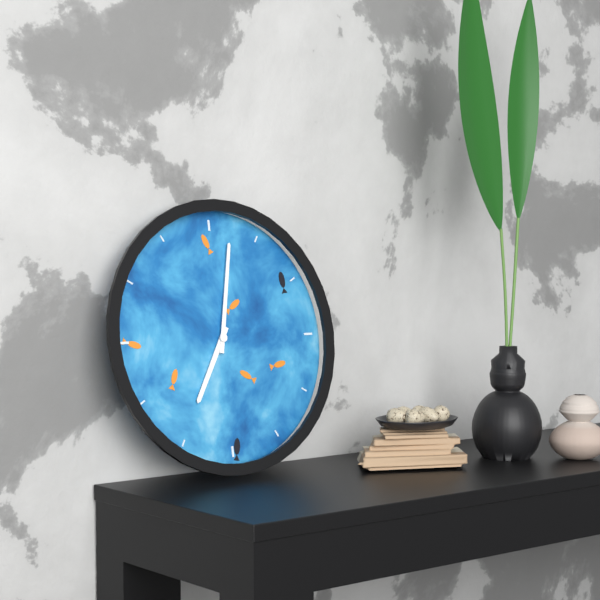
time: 7:02
